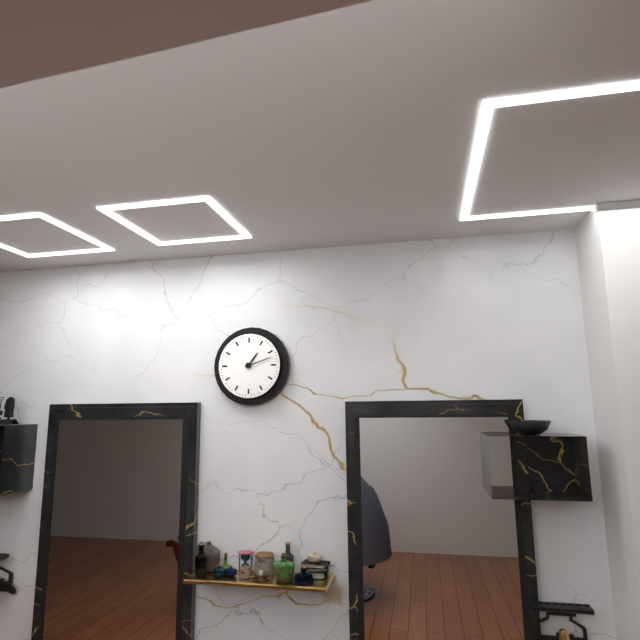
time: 1:12
